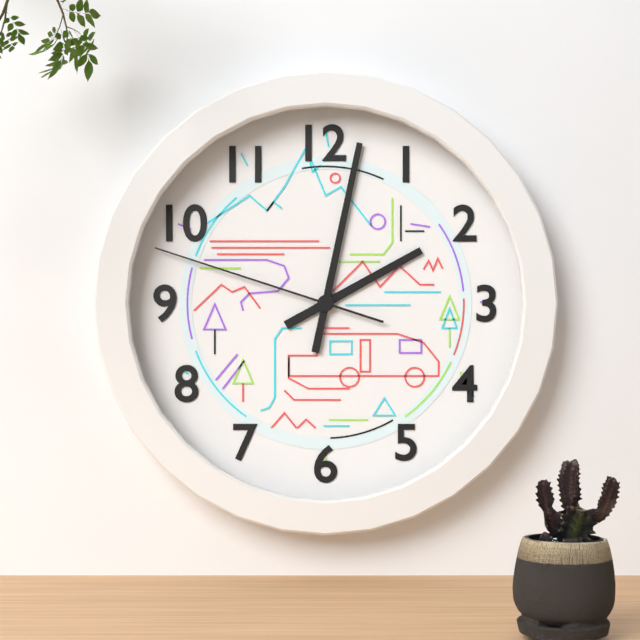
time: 2:02:48
